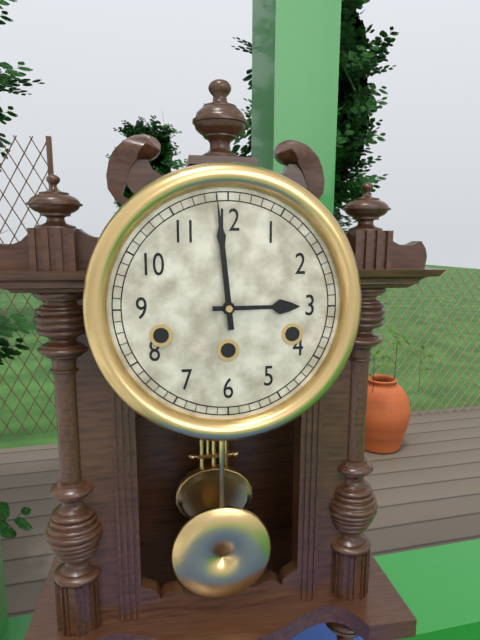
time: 2:59
